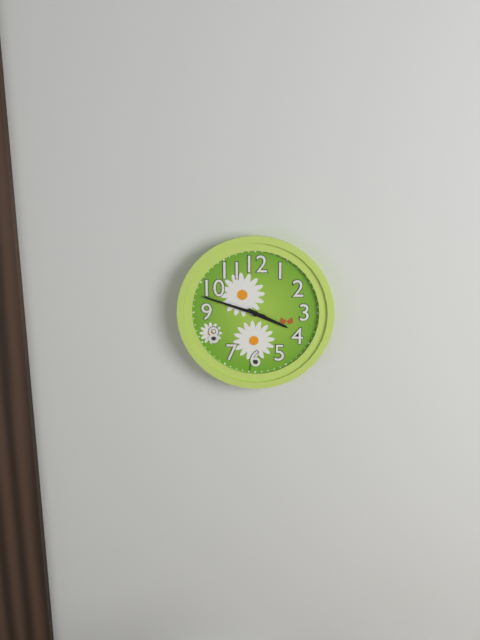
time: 3:48
